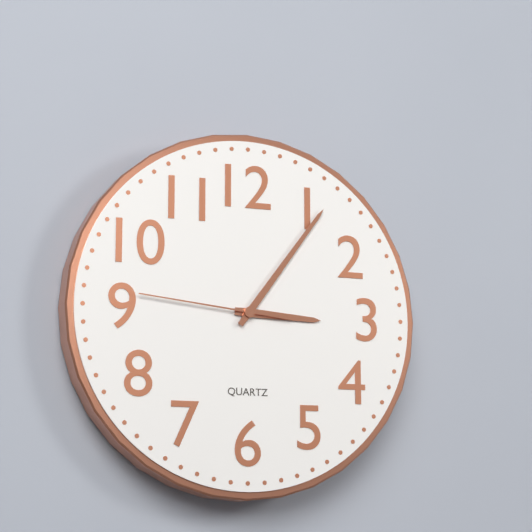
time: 3:06:46
